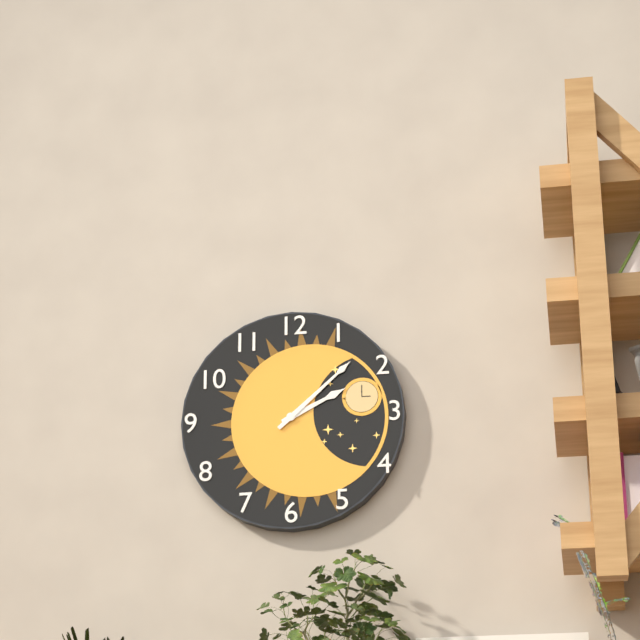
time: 2:08
